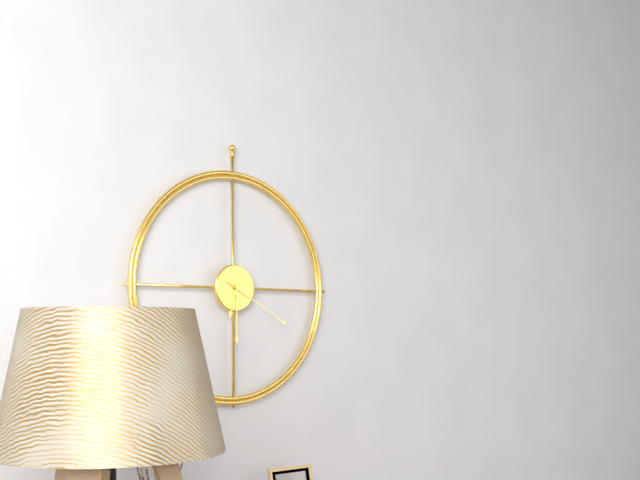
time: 6:30:20
